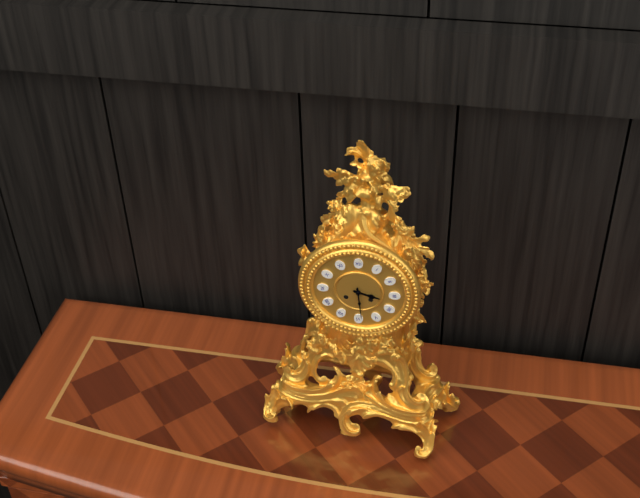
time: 3:29
